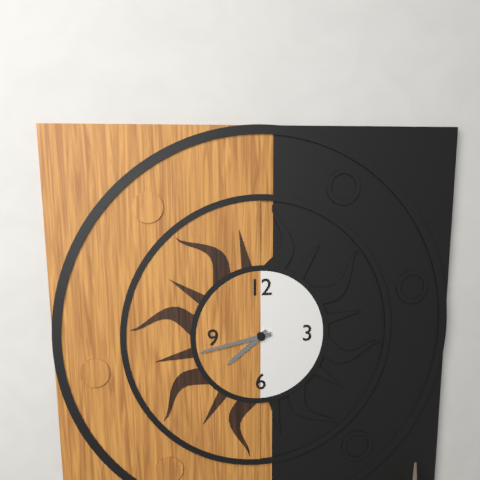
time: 7:43
